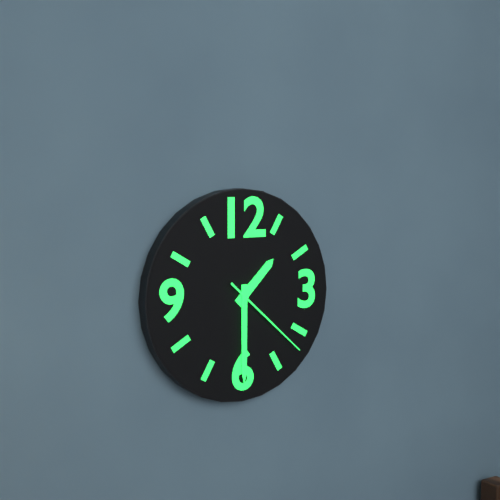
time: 1:30:22
